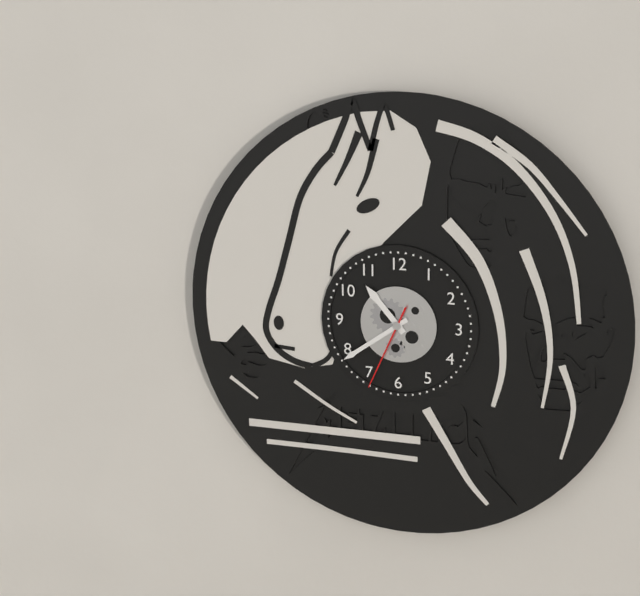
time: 10:39:34
